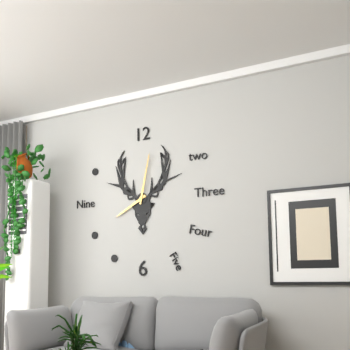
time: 8:02
